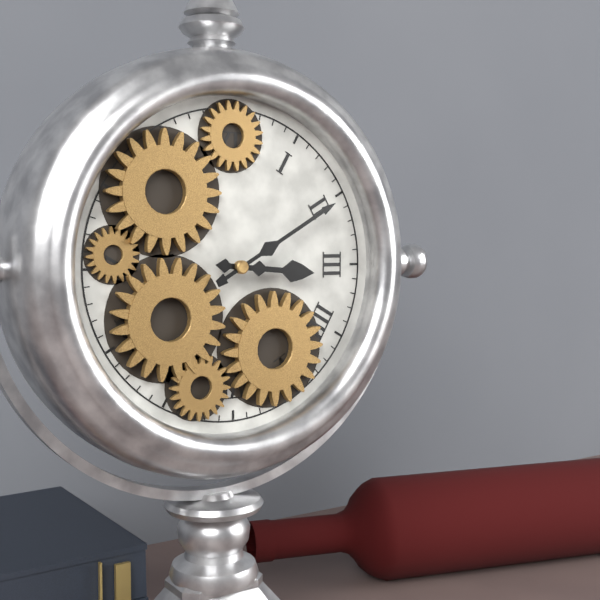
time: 3:10
